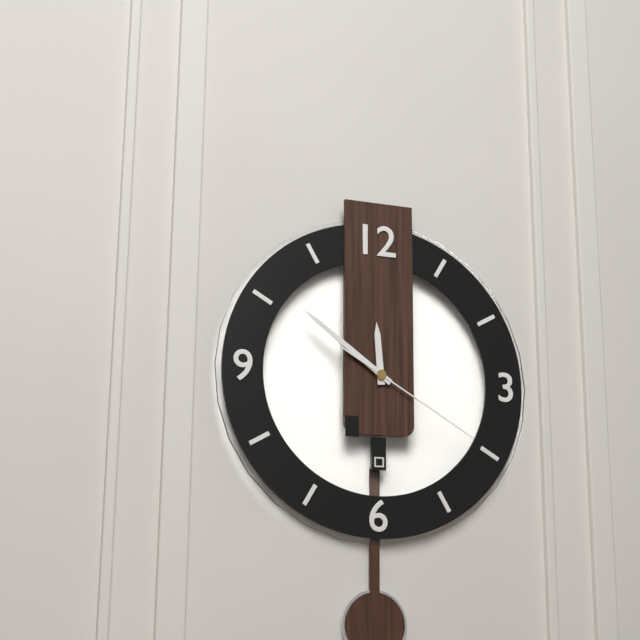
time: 11:51:20
